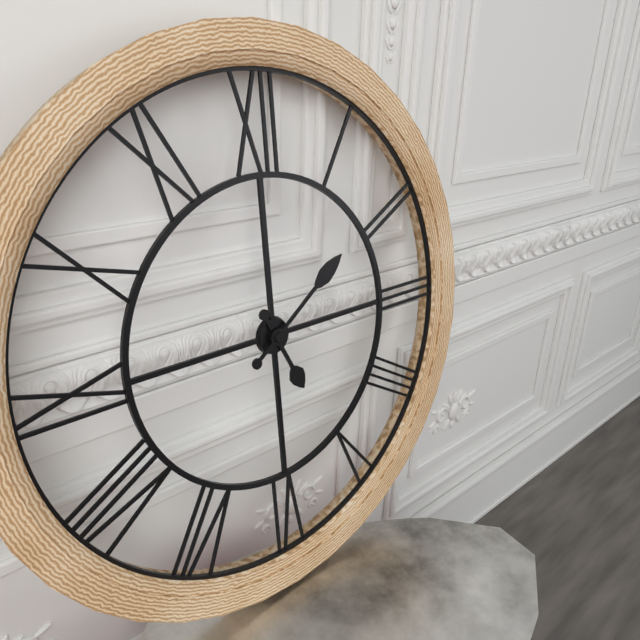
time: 5:09
